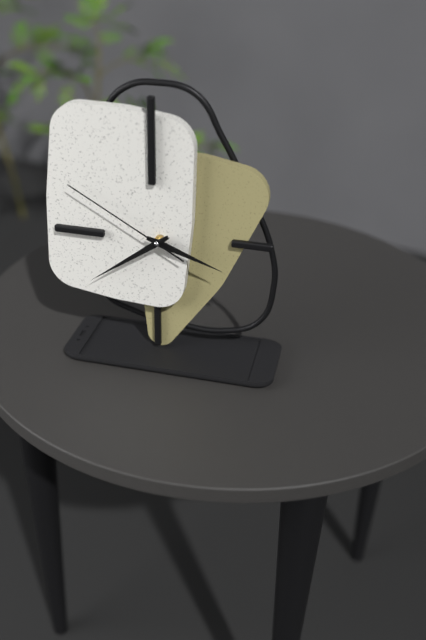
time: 3:39:50
